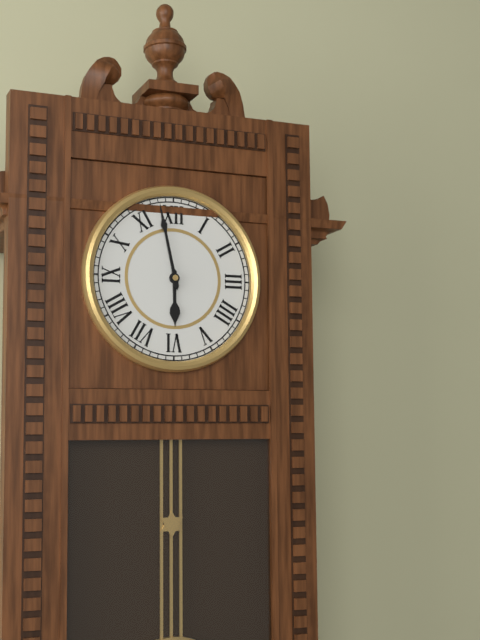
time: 5:58
